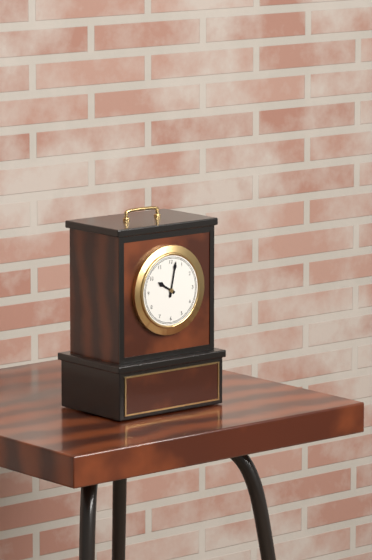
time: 10:02
